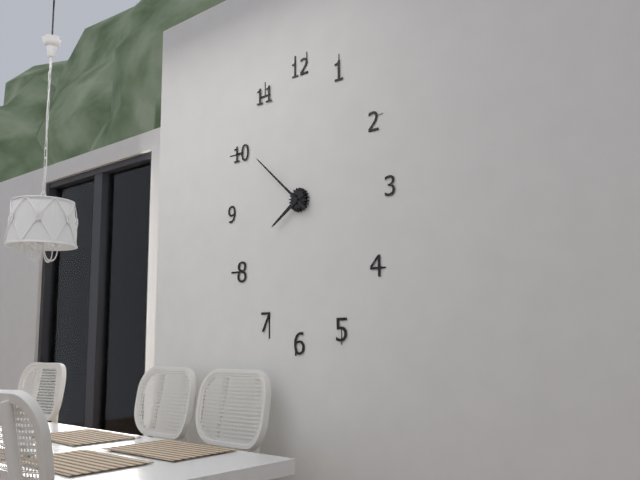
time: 7:52
